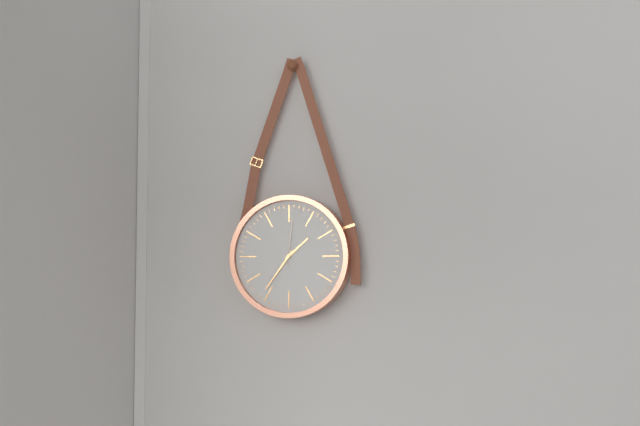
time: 1:36
